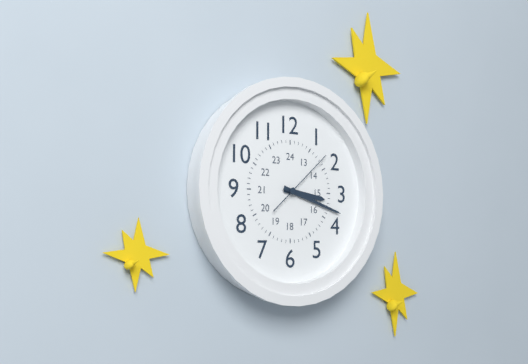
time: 3:18:08
